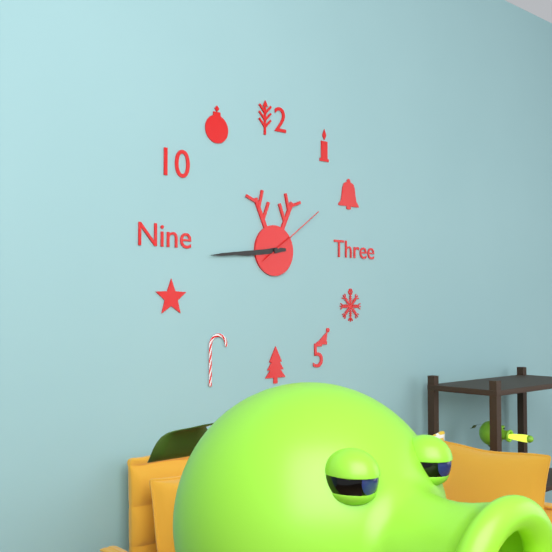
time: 8:44:09
